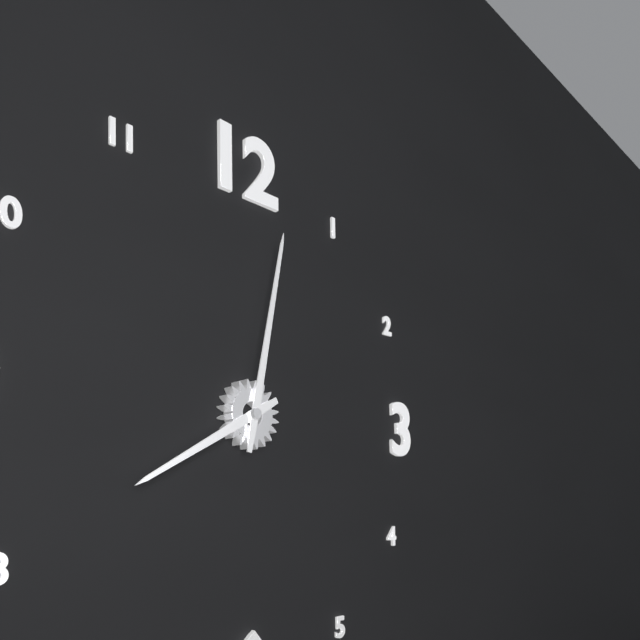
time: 8:02
